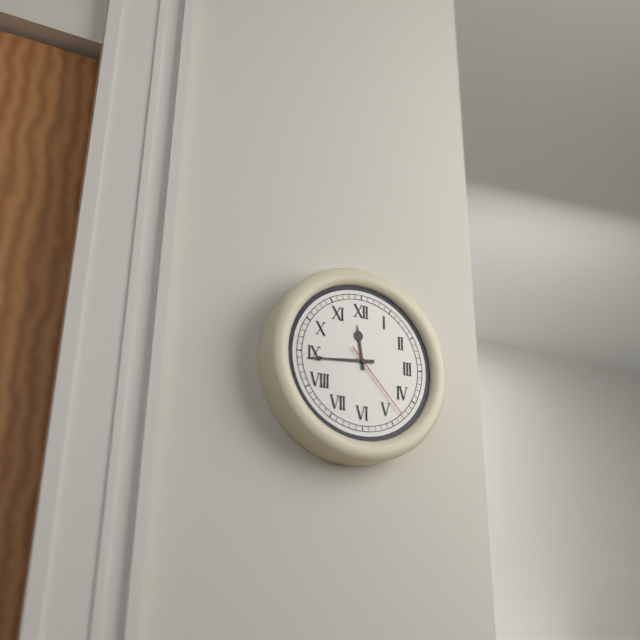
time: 11:44:23
